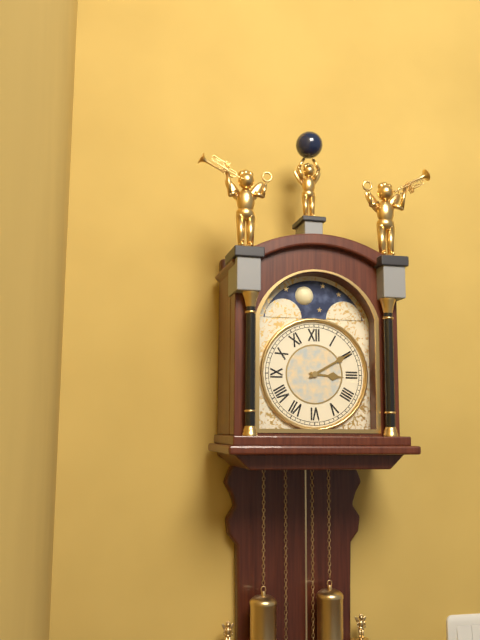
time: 3:10
